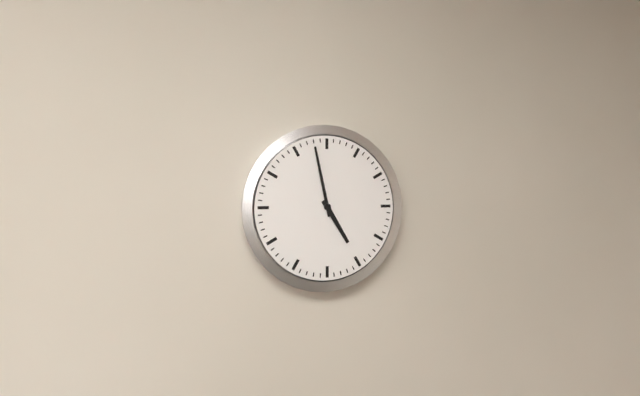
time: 4:58
